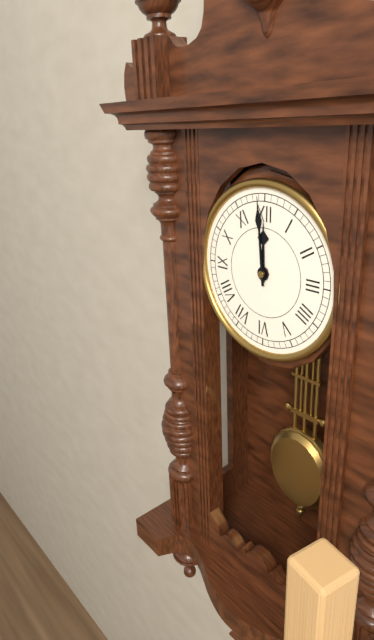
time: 11:59
